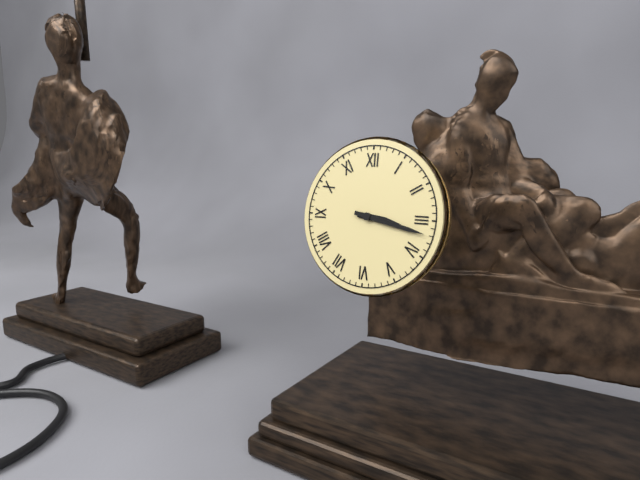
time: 3:17
